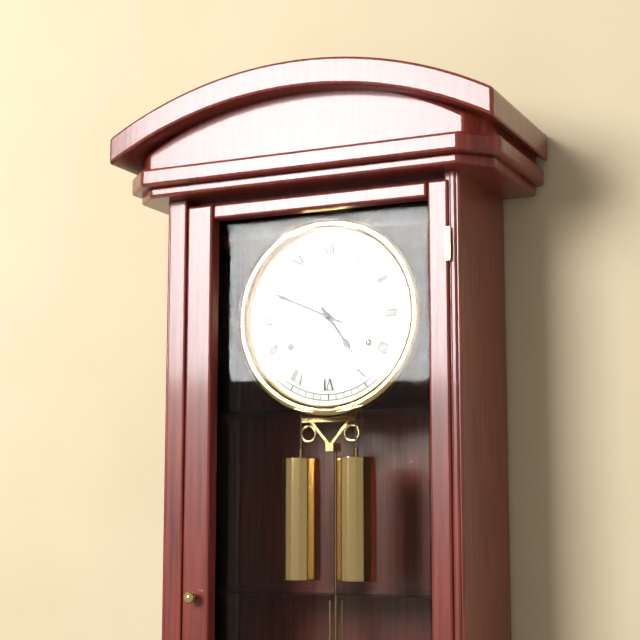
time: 4:49
